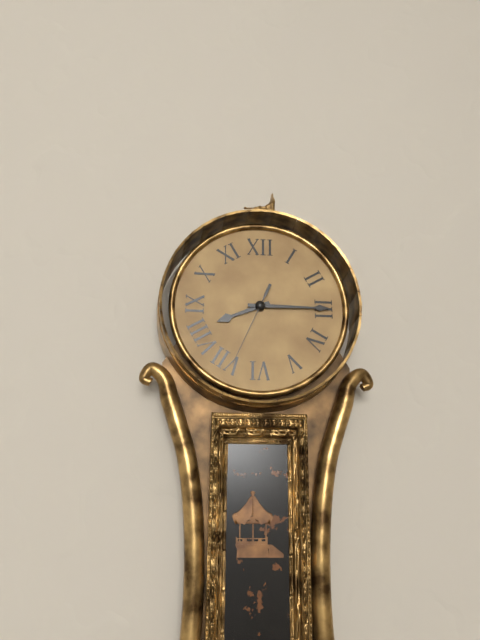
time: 8:15:34
